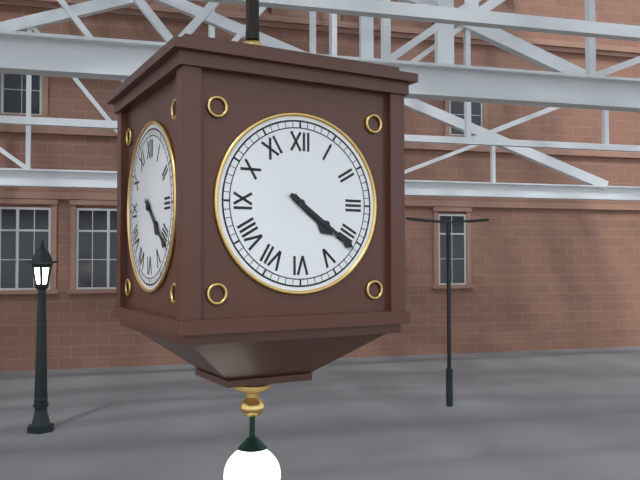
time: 4:21
